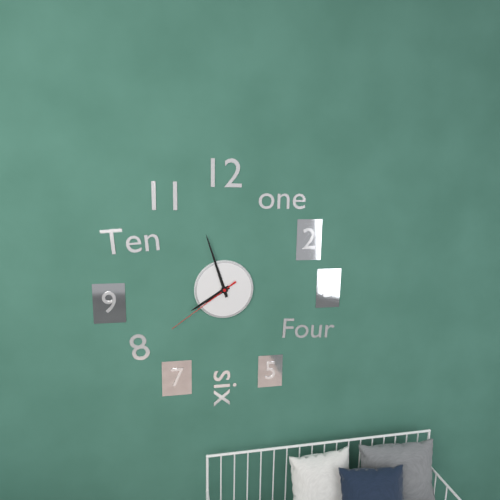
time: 7:57:39
